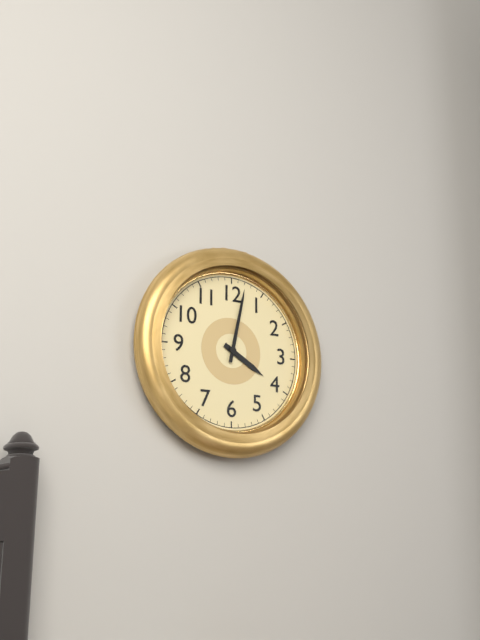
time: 4:02
